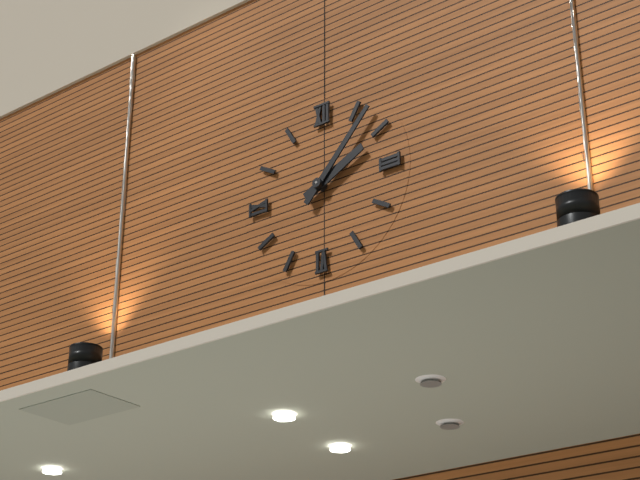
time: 2:07
